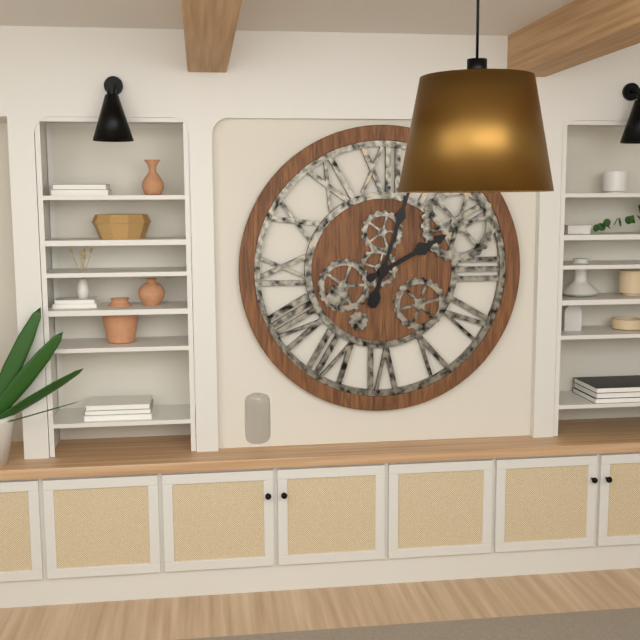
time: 2:03
